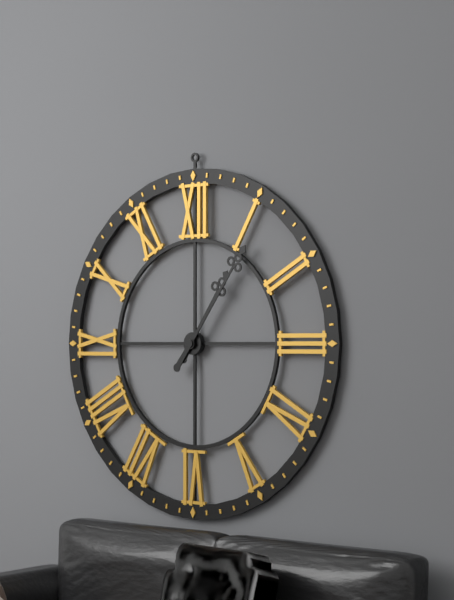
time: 1:06
